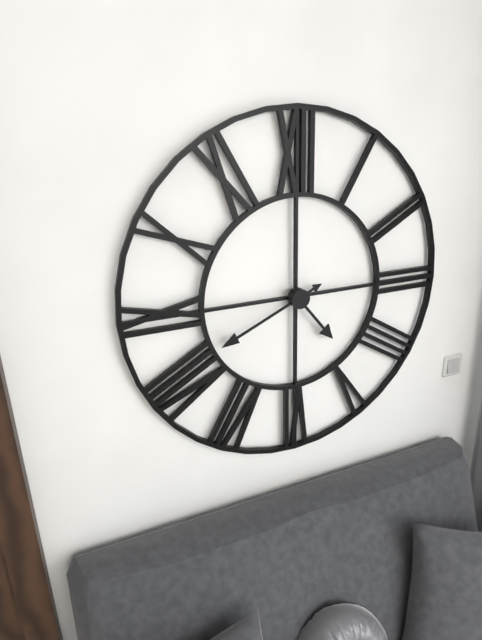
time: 4:41
